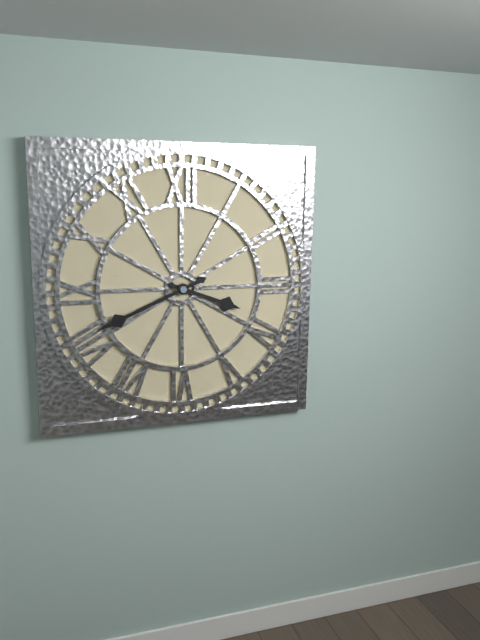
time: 3:41
